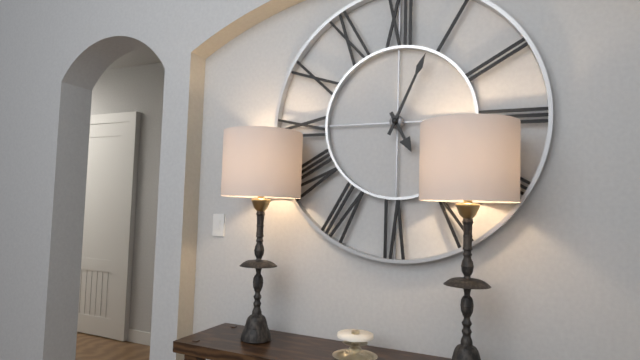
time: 5:04
